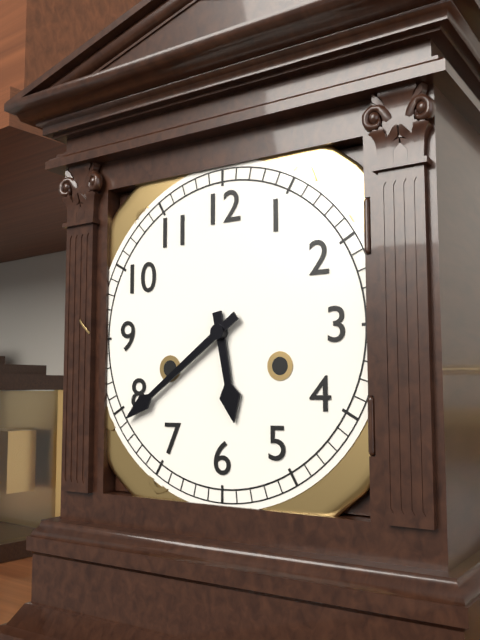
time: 5:39
